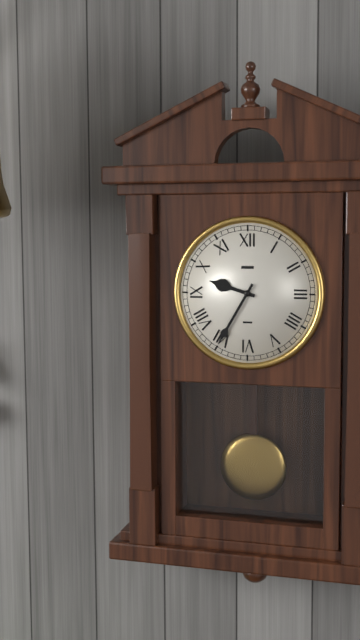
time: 9:35
